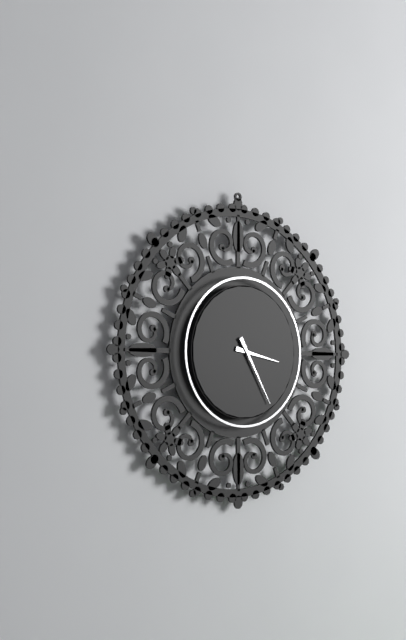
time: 3:25
